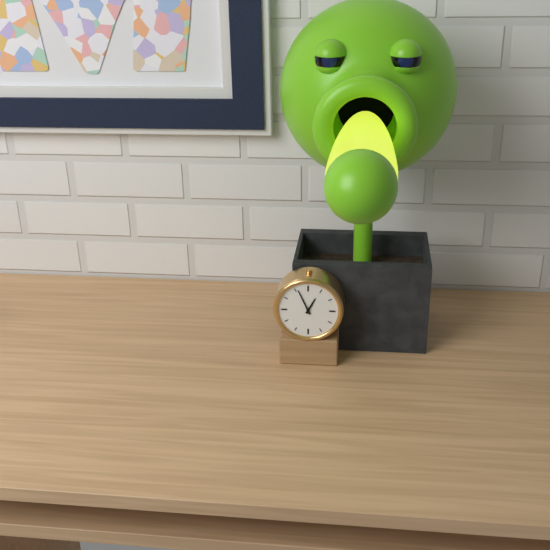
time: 12:56
